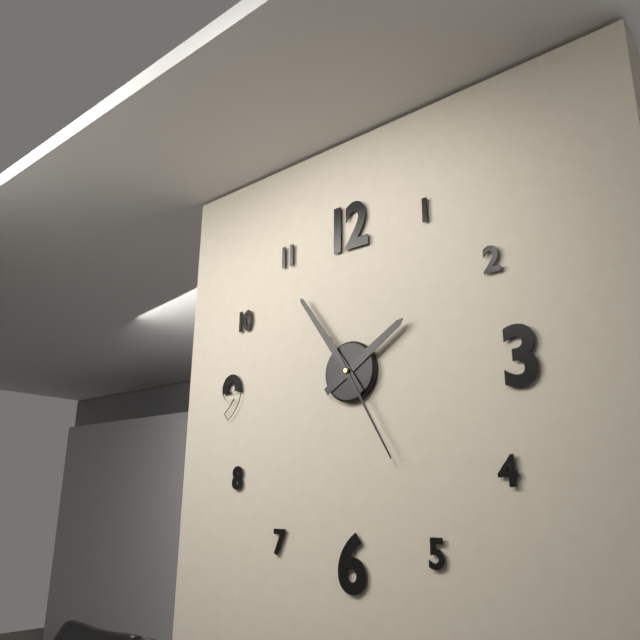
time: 1:54:25
